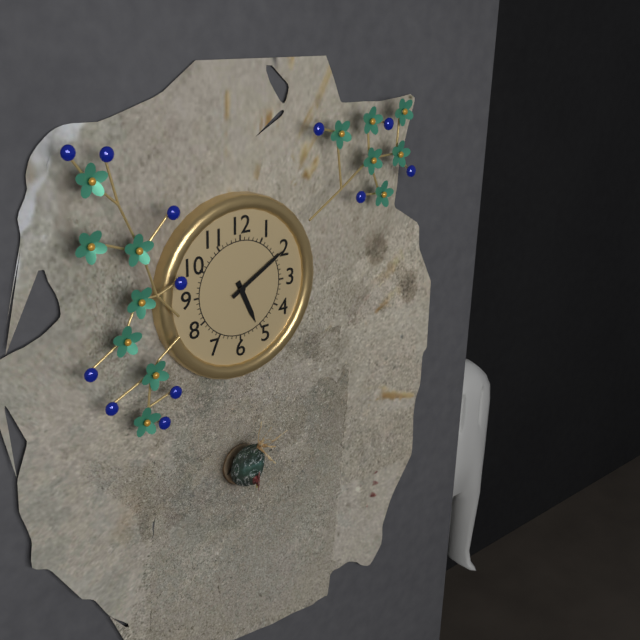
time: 5:10
